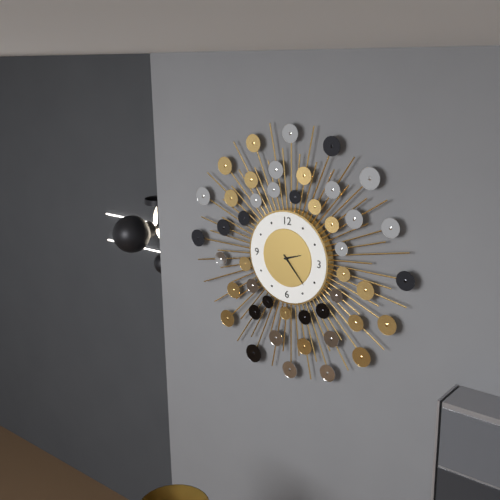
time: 2:23
